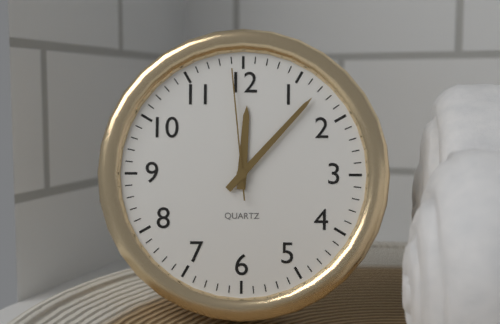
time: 12:07:59
